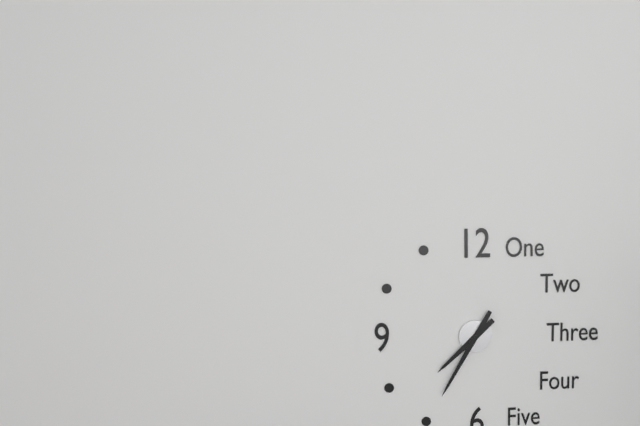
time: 7:35
